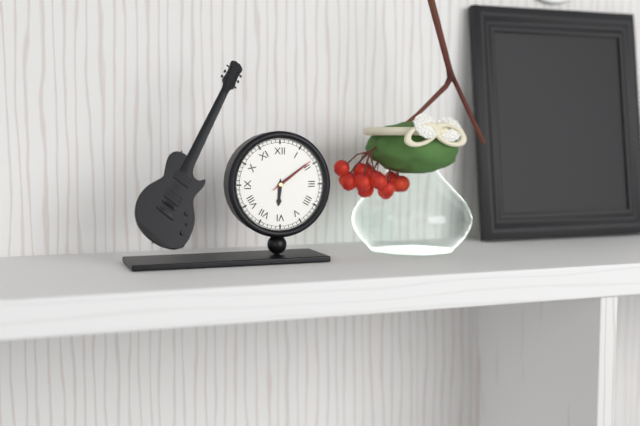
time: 6:09
